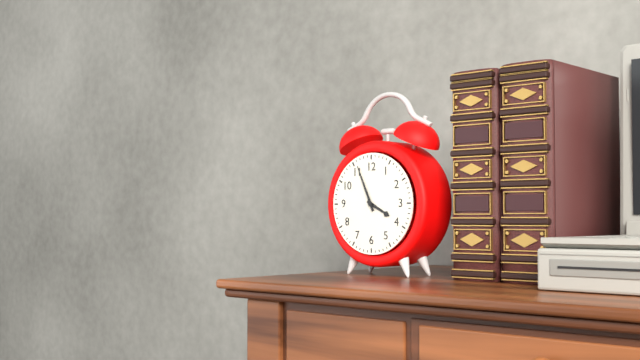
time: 3:56
